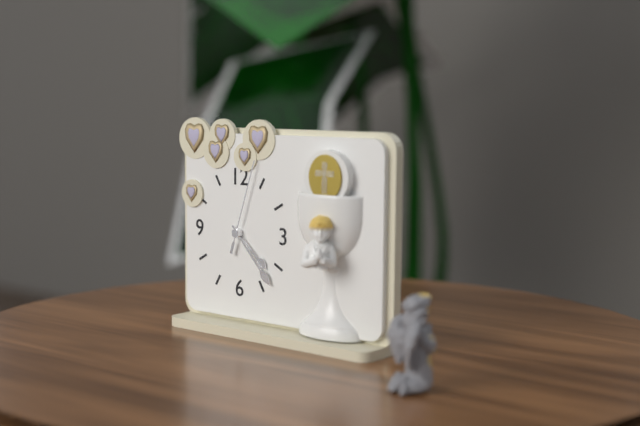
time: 4:23:03
